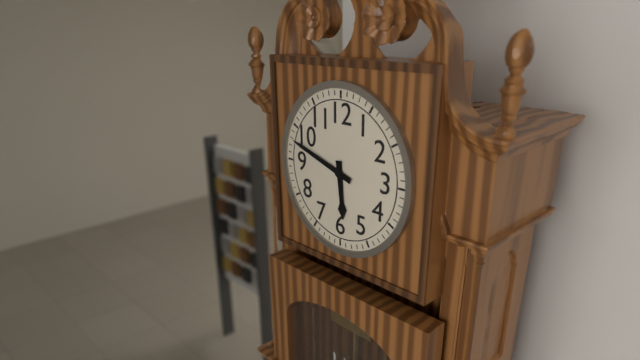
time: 5:48
